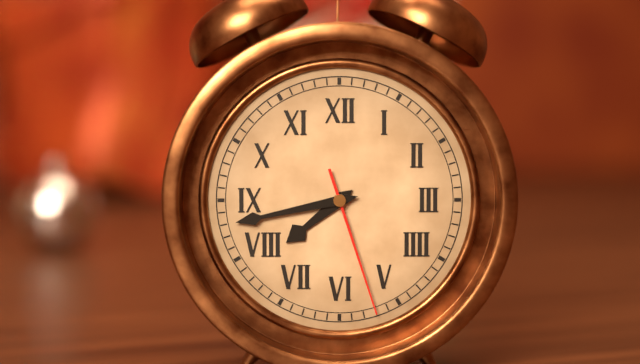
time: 7:43:27
